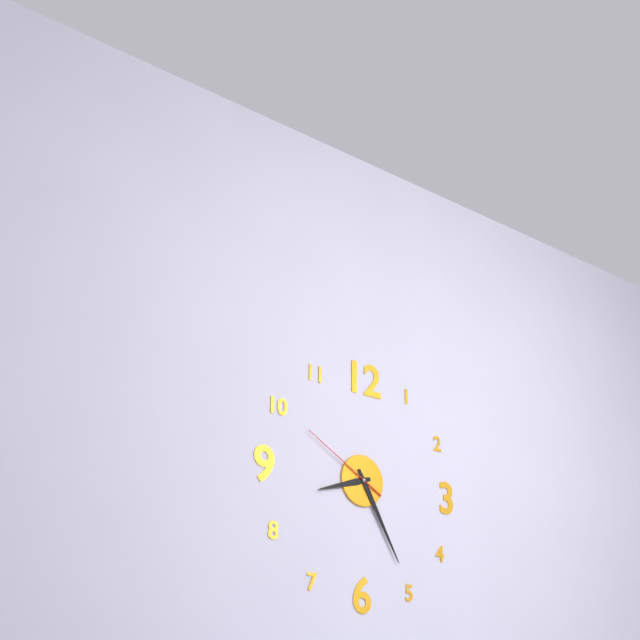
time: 8:25:50
